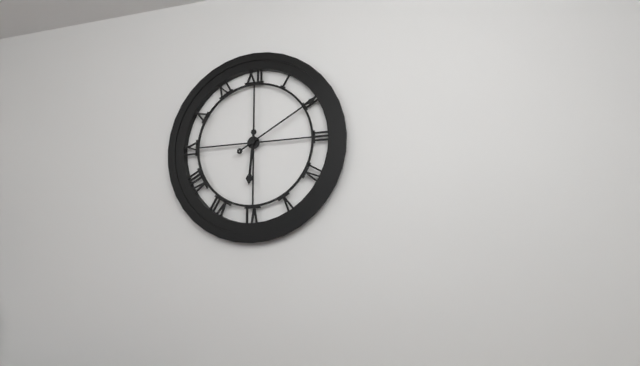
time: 6:10
